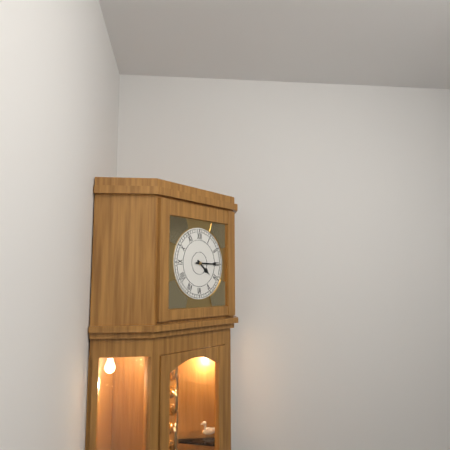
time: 4:15
